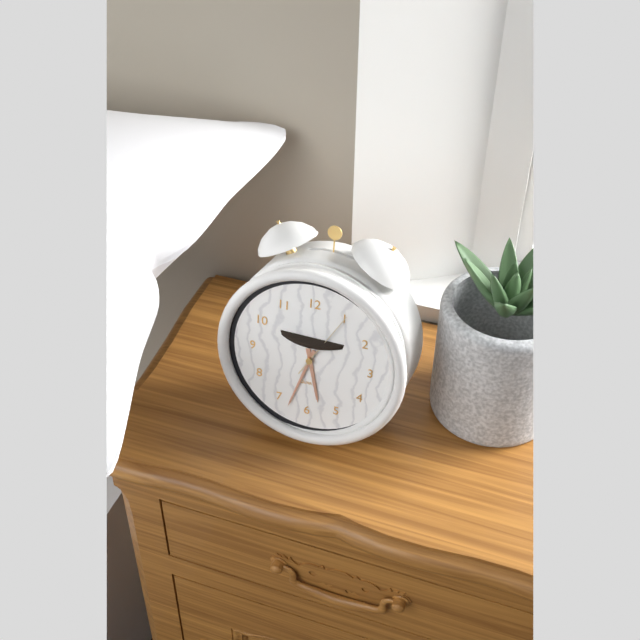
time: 5:33:05
